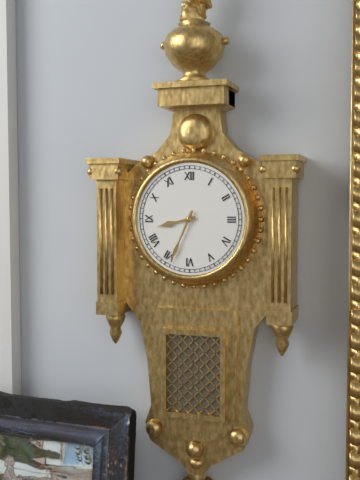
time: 8:34
